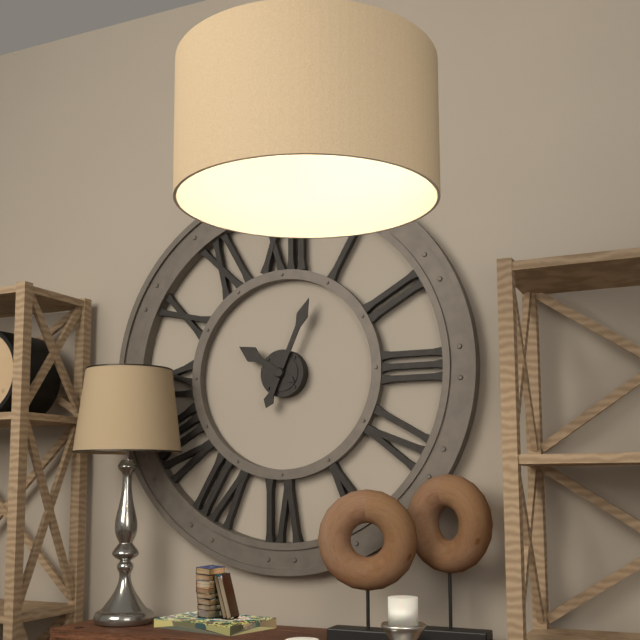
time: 10:04
